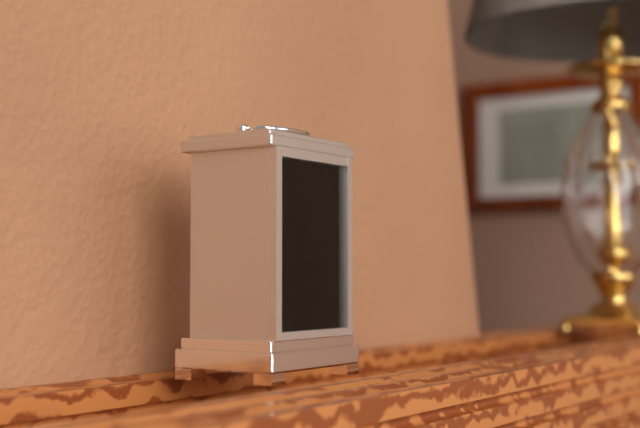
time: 2:08
